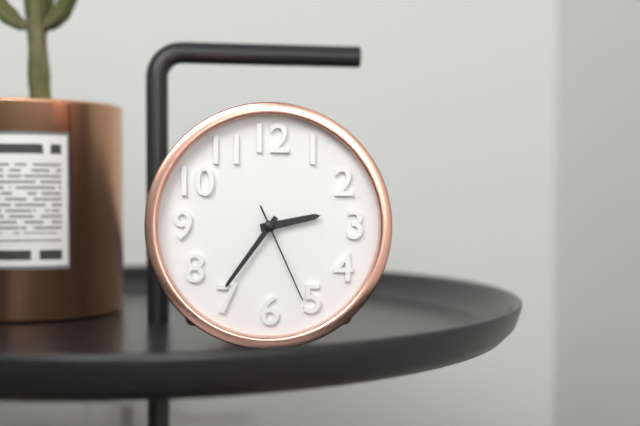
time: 2:36:26
